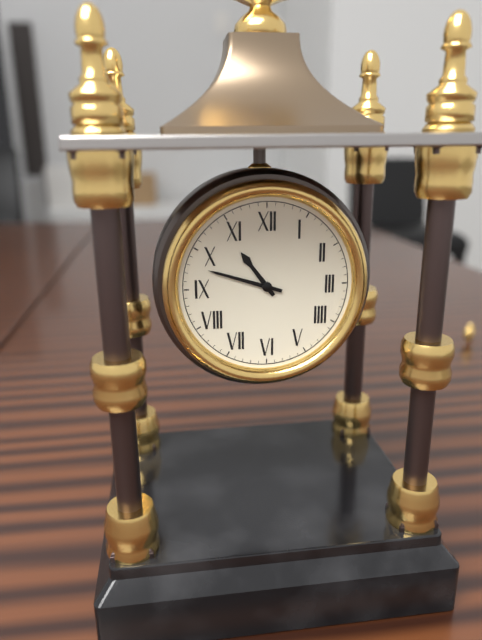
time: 10:48
